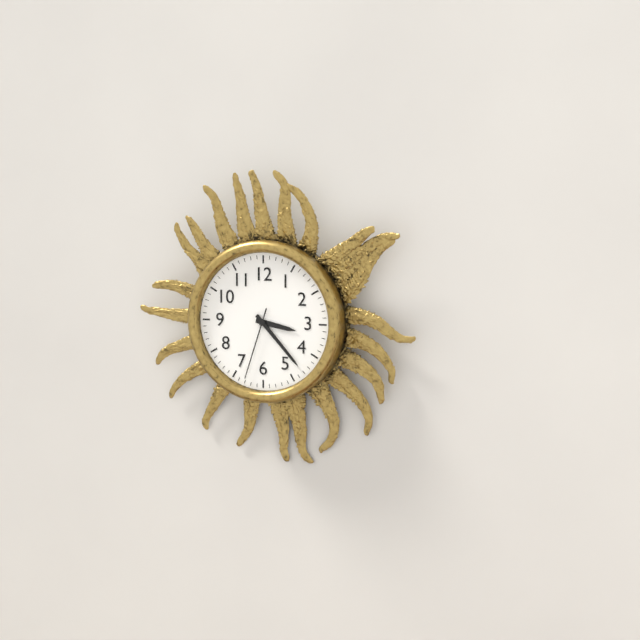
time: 3:23:33
